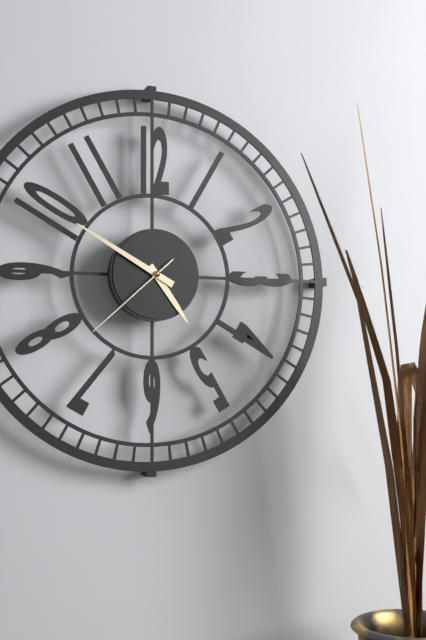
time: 4:50:38
